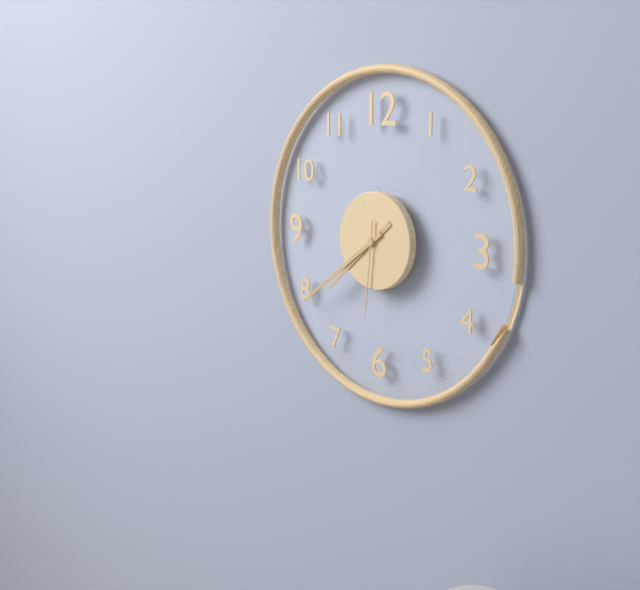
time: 7:39:31
